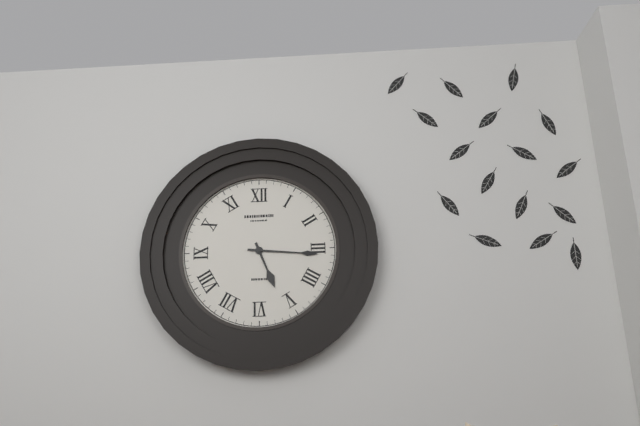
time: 5:16
